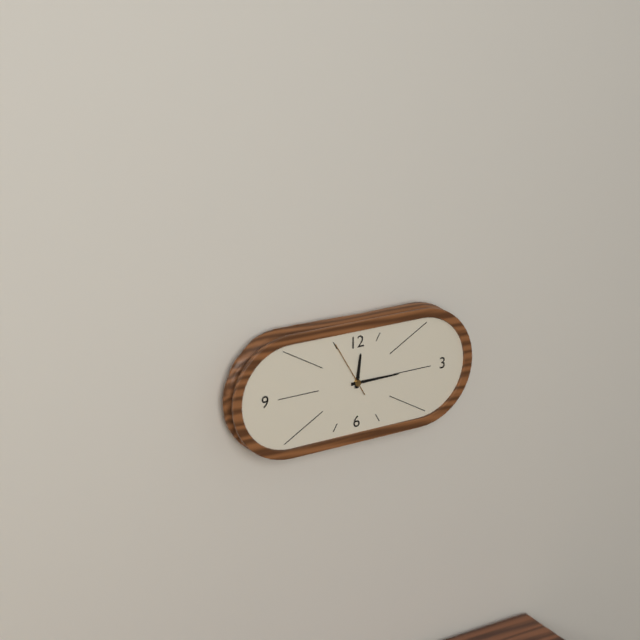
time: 12:15
